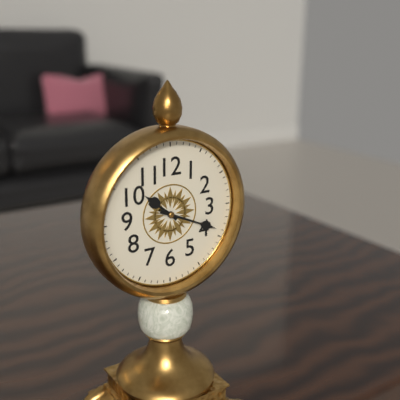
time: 10:19
